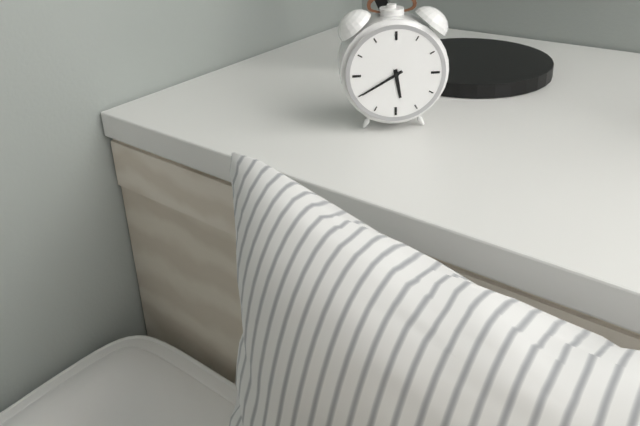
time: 5:40
